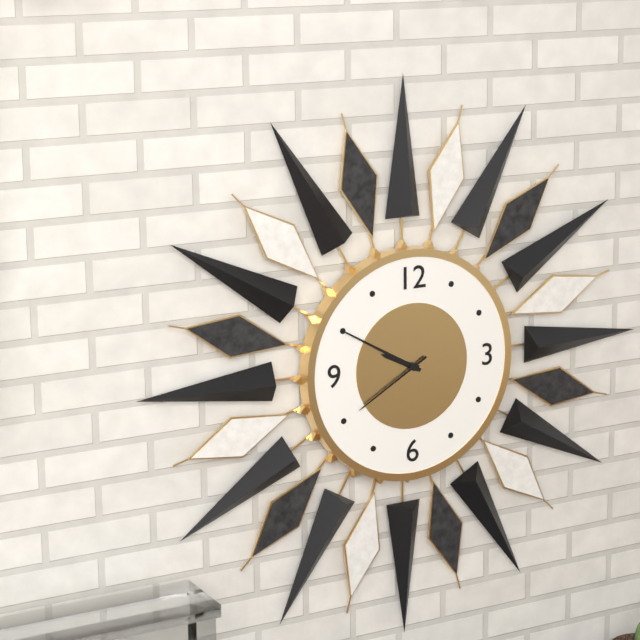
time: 9:50:40
